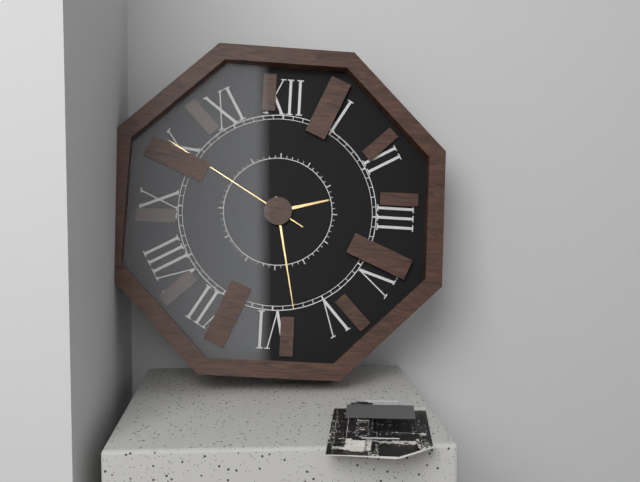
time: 2:28:50
